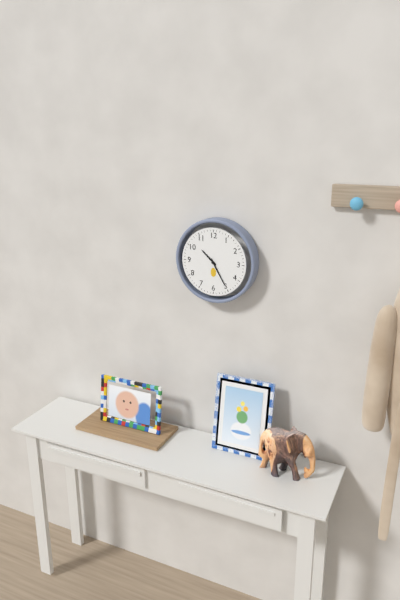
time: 10:25
